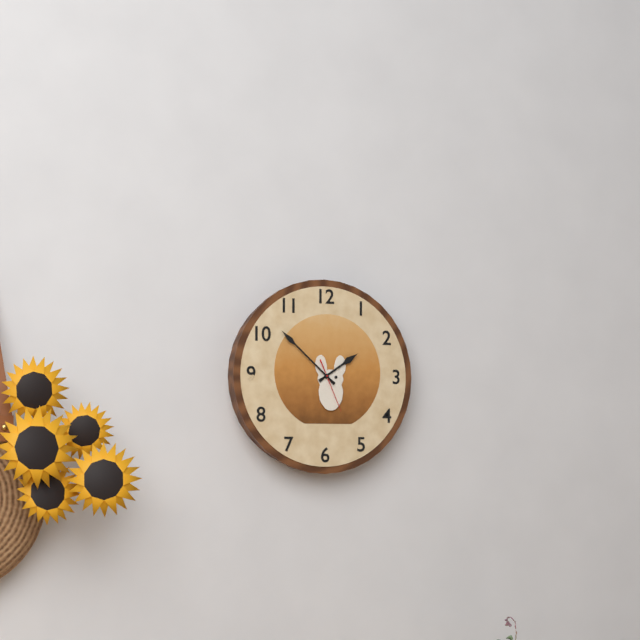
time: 1:52
